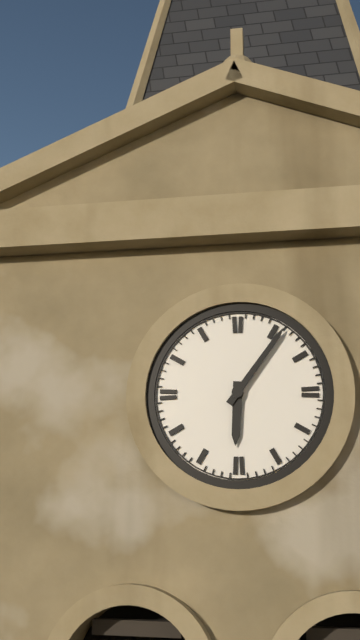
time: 6:06
